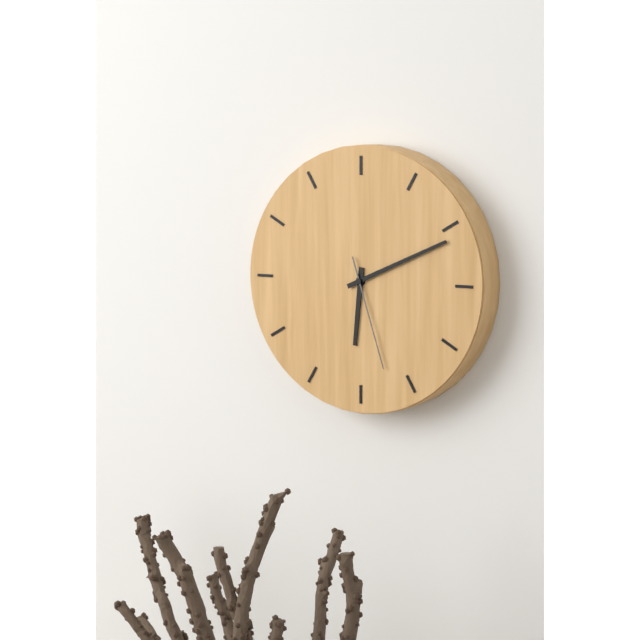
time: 6:11:27
